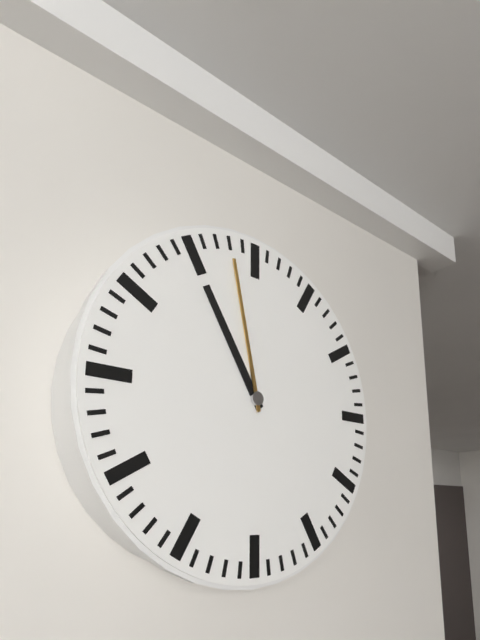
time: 10:58
